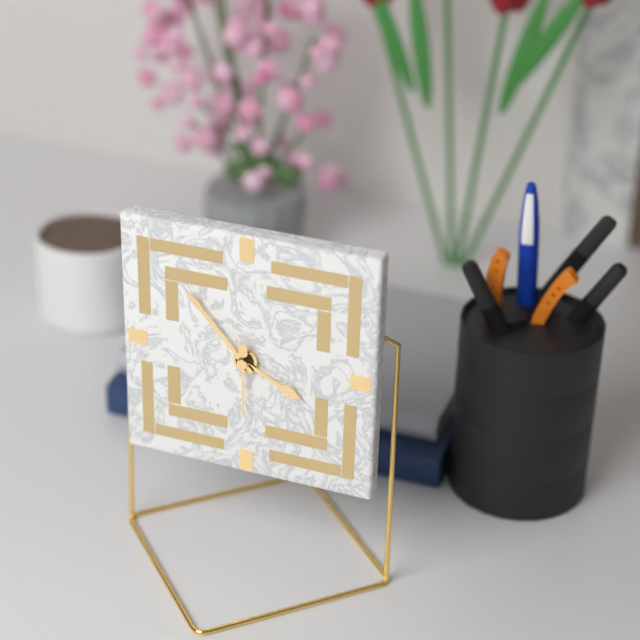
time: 3:53:30
